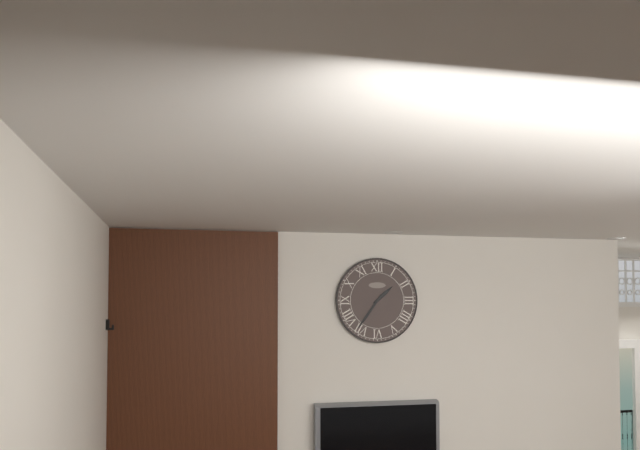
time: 1:36
